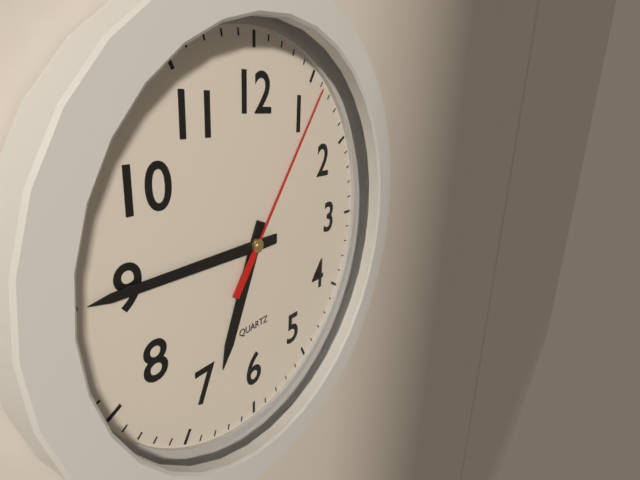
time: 6:45:06
